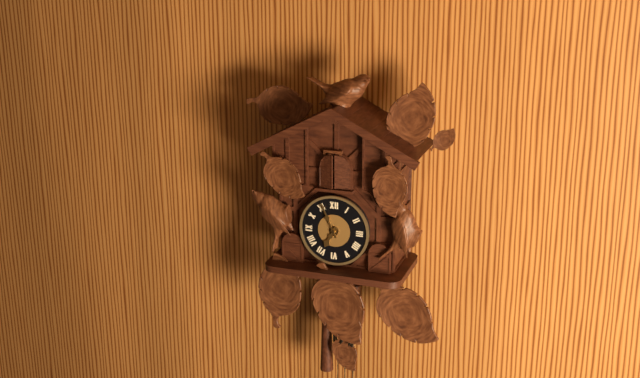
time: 6:56
